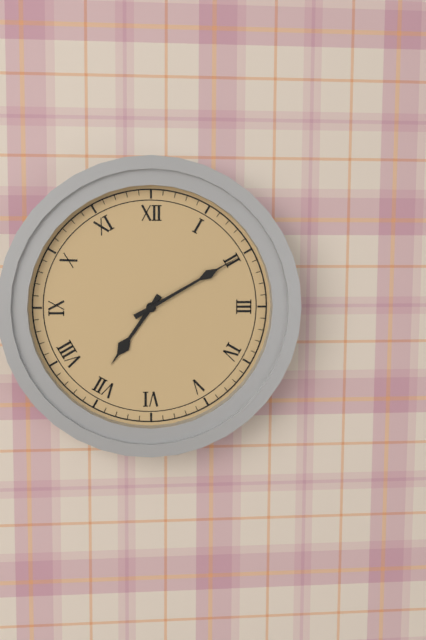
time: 7:10
